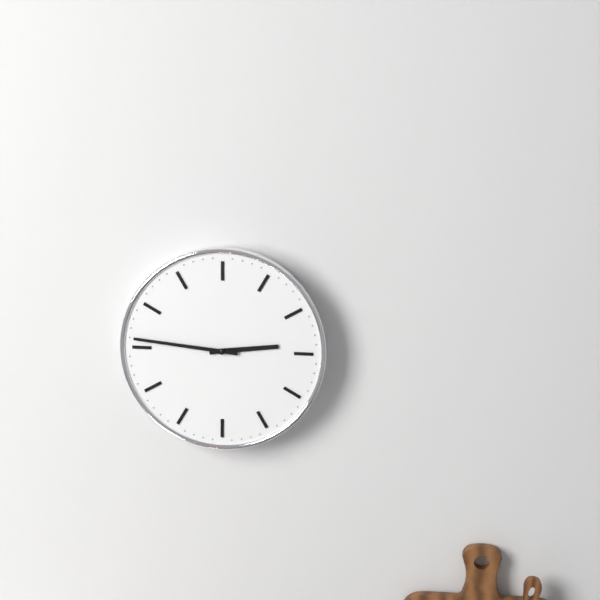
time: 2:46
